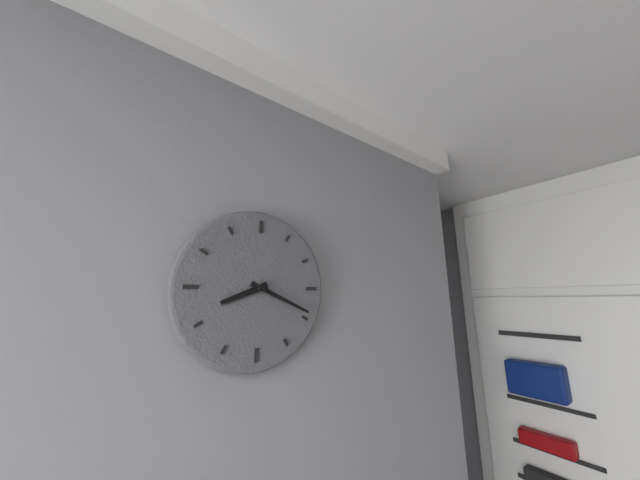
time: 8:19
